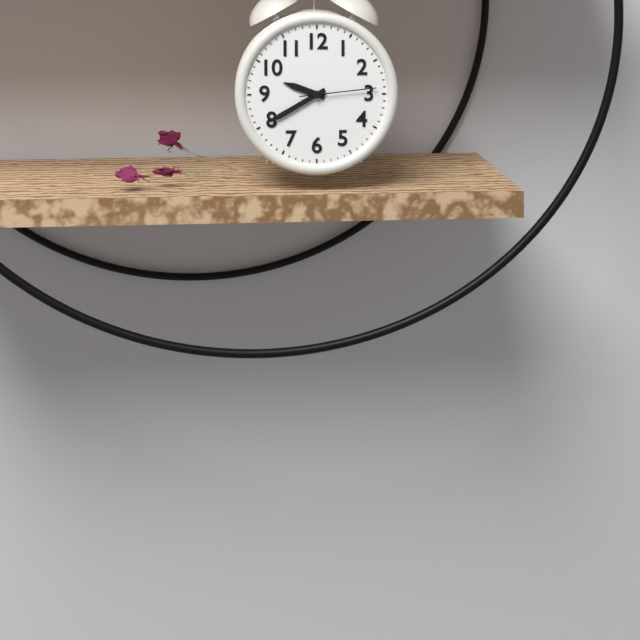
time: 9:40:14
